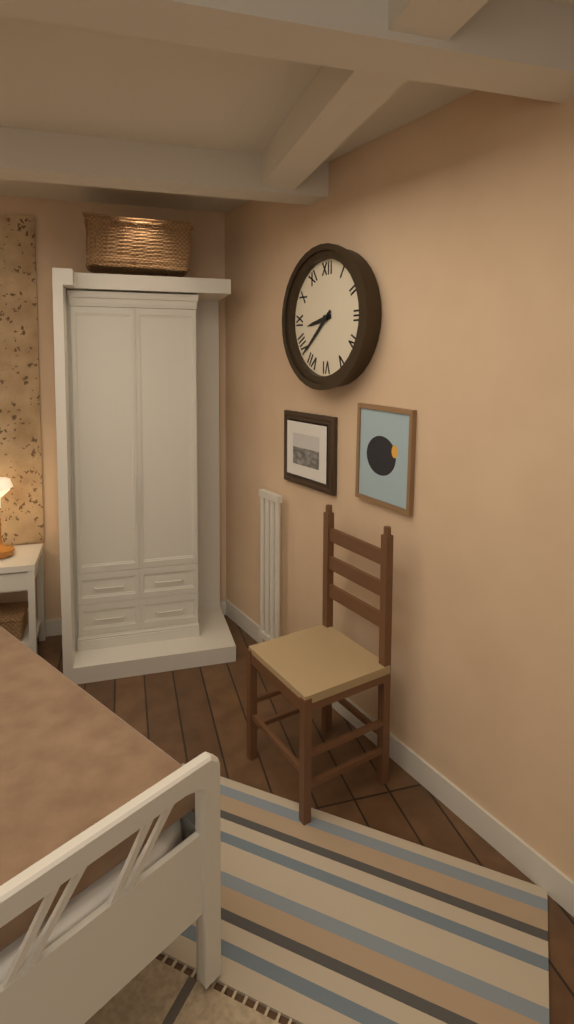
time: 8:38
